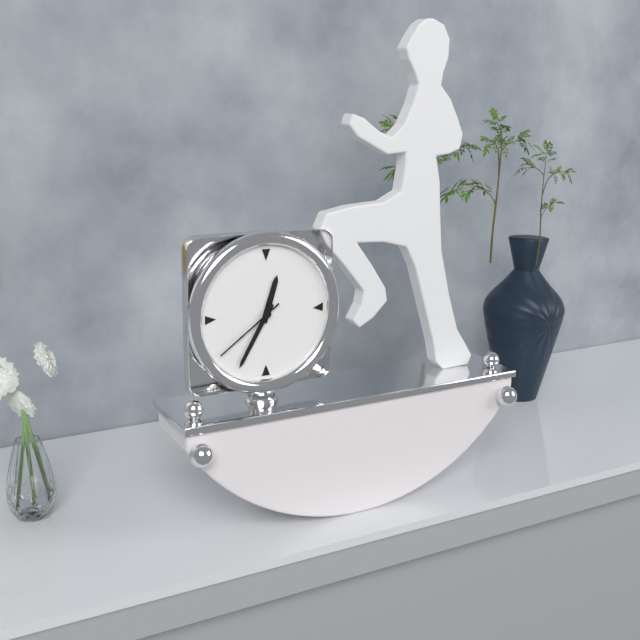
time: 12:35:39
